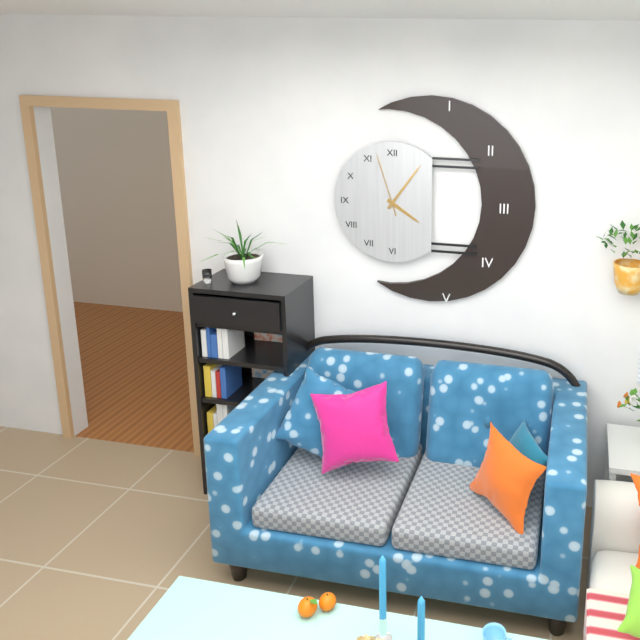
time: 4:06:57
